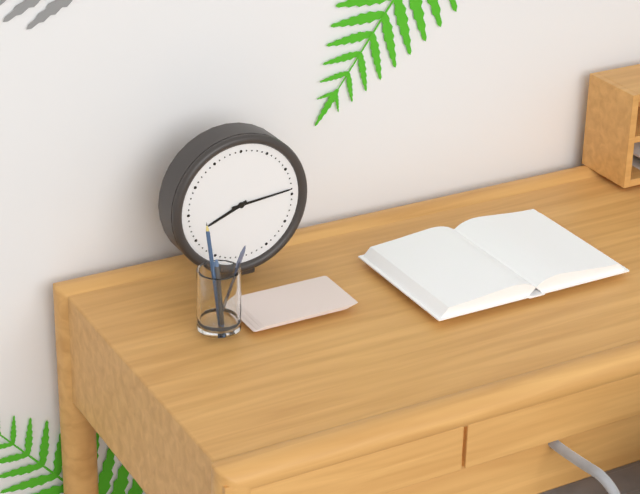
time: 8:14
